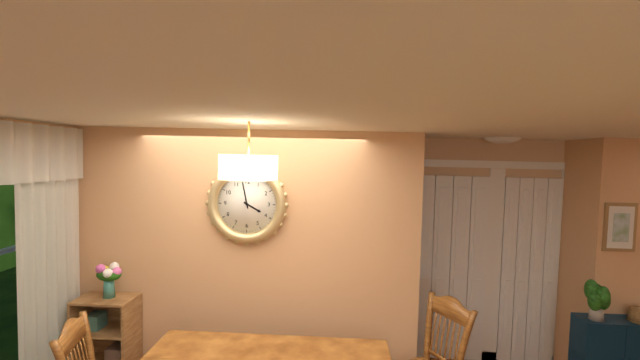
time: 3:58
